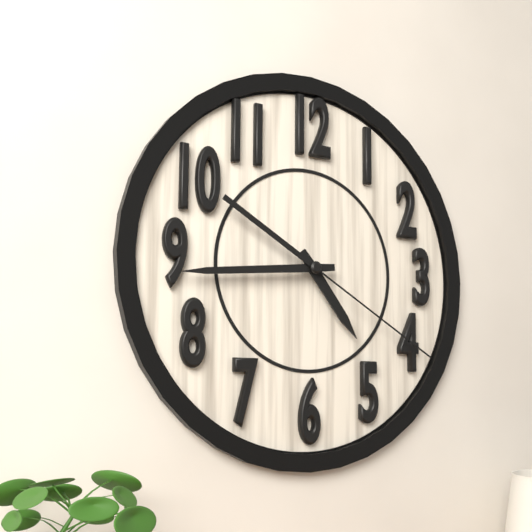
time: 4:44:20
